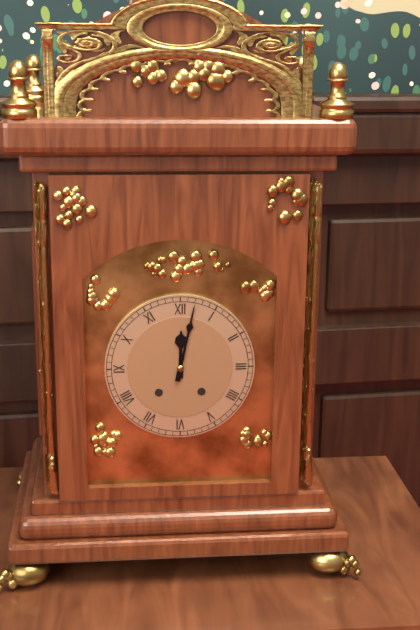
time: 12:02
